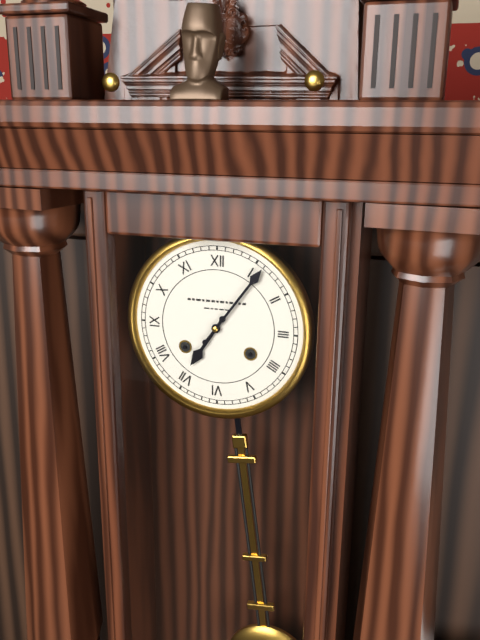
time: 7:06
